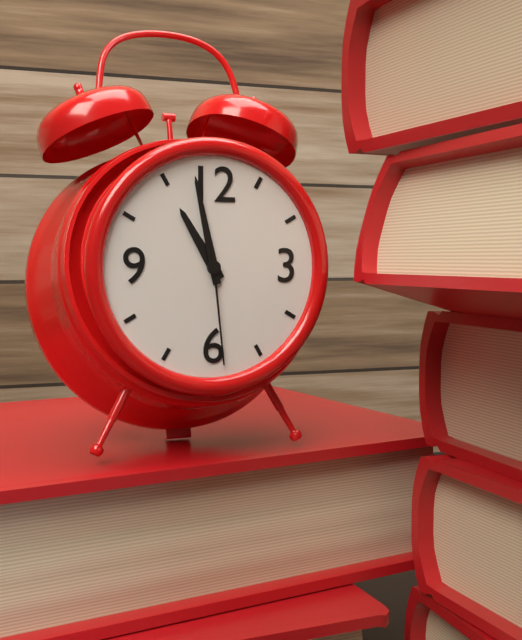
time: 10:58:29
